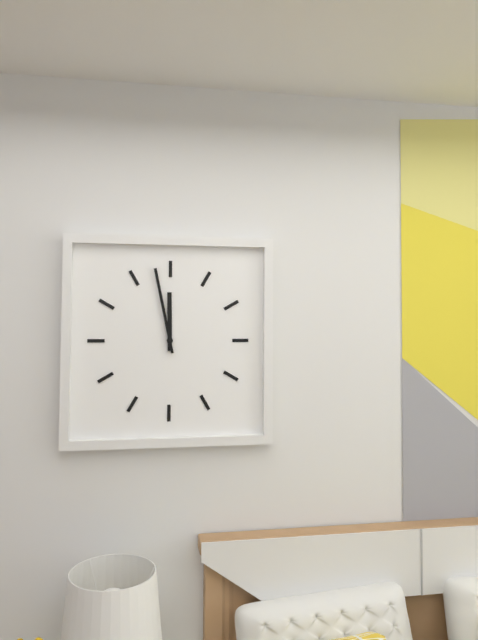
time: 11:58
